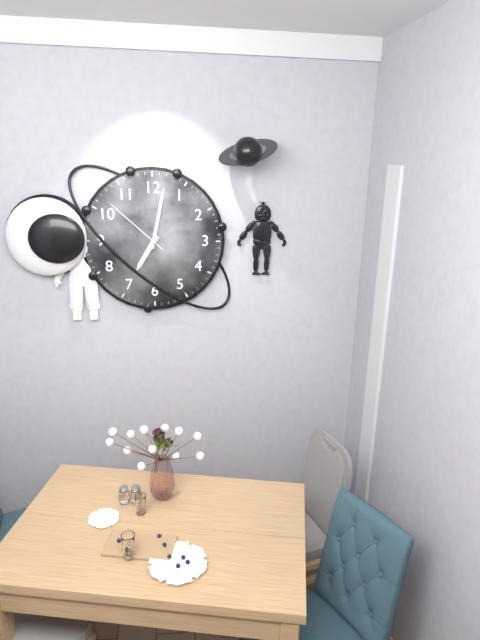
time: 7:02:52
